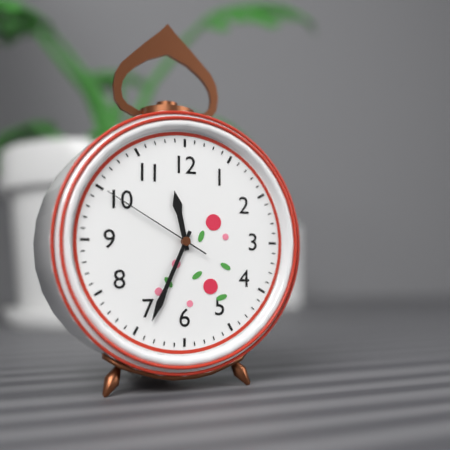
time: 11:34:50
